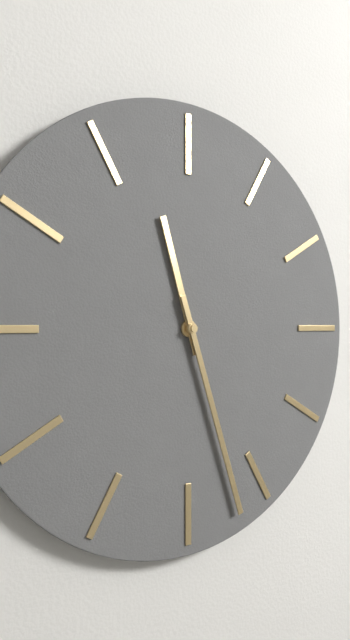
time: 11:27
